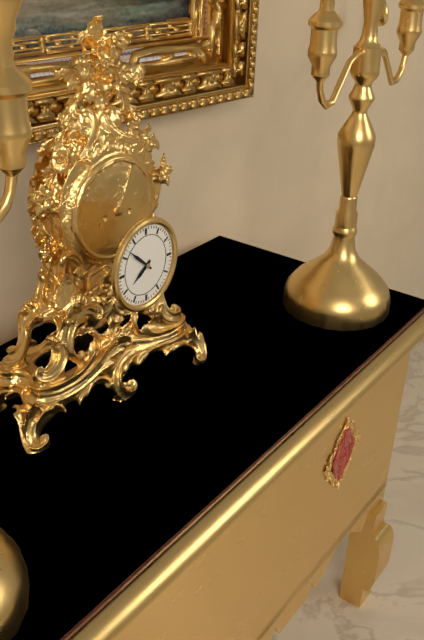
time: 7:52
